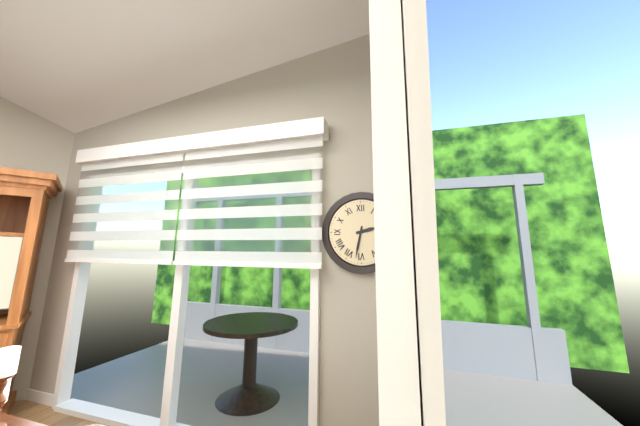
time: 2:32
